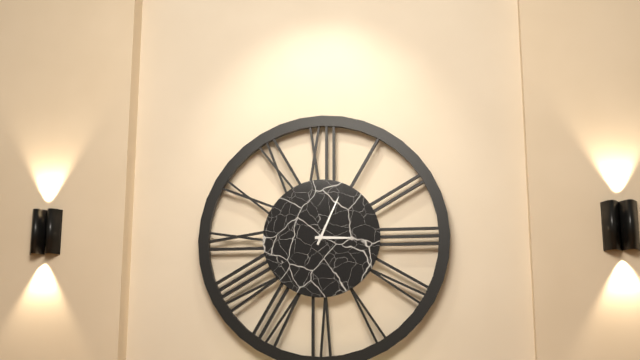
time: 3:04
